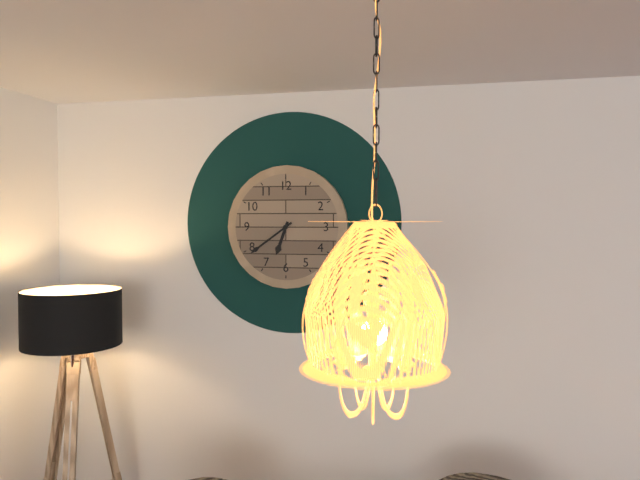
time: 6:39
